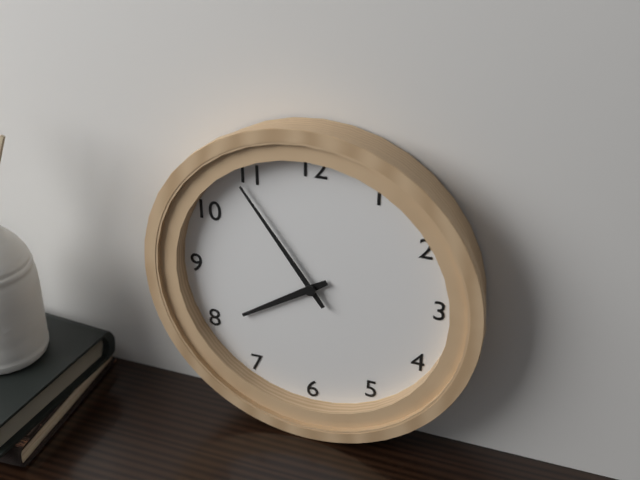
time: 7:54
